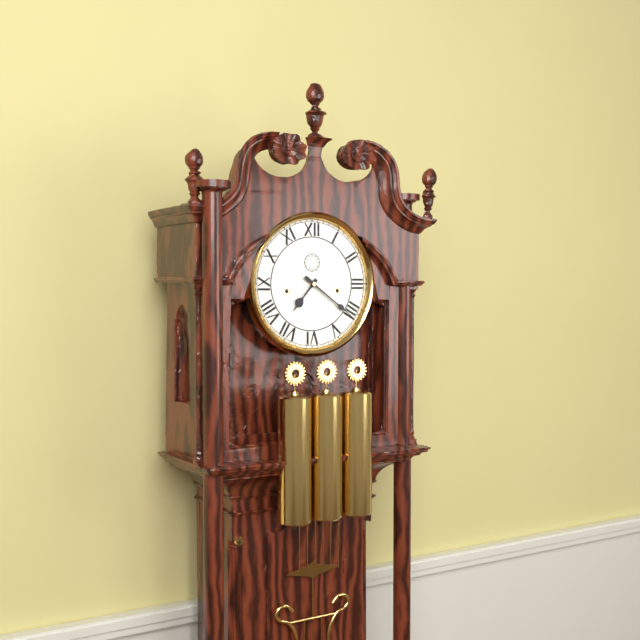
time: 7:21
